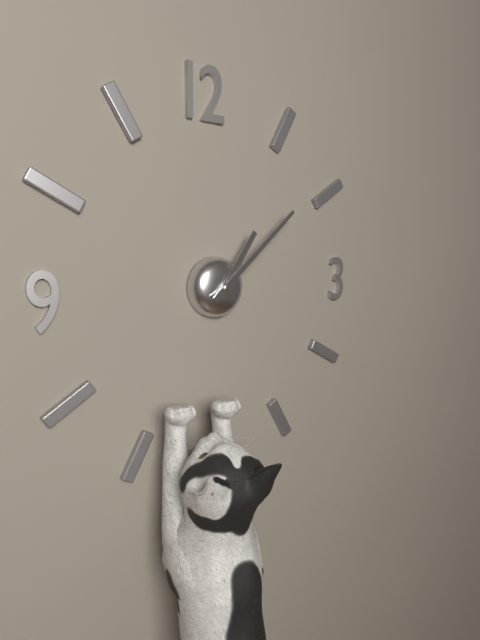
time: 1:08
